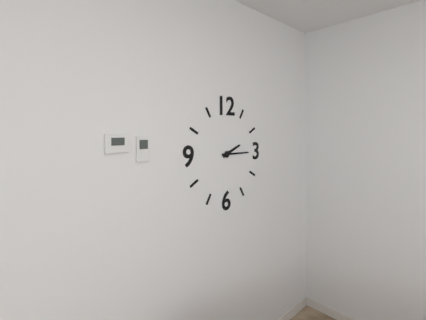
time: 2:15
